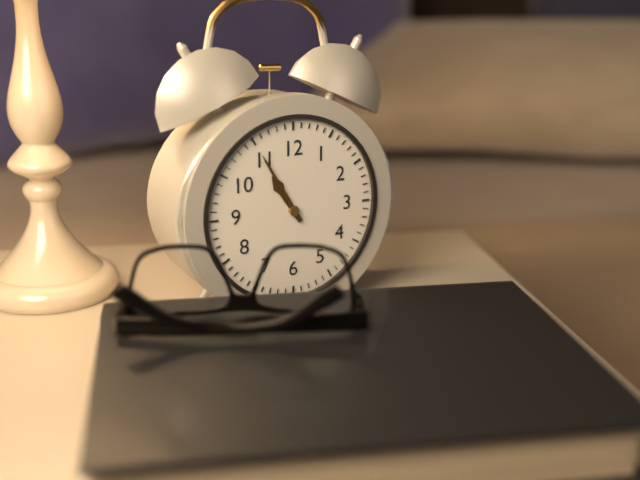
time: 10:55
